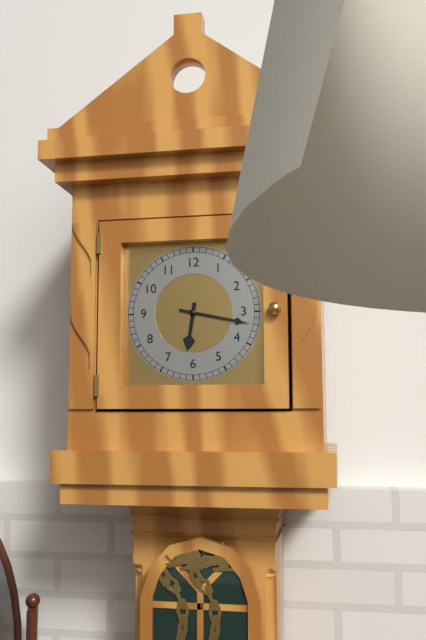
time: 6:17
